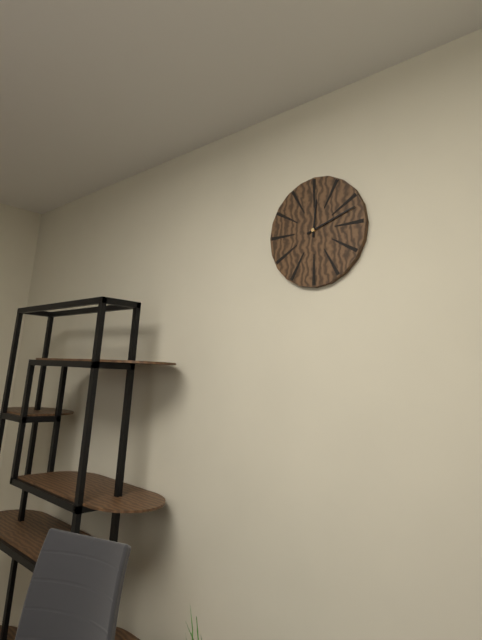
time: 12:12
